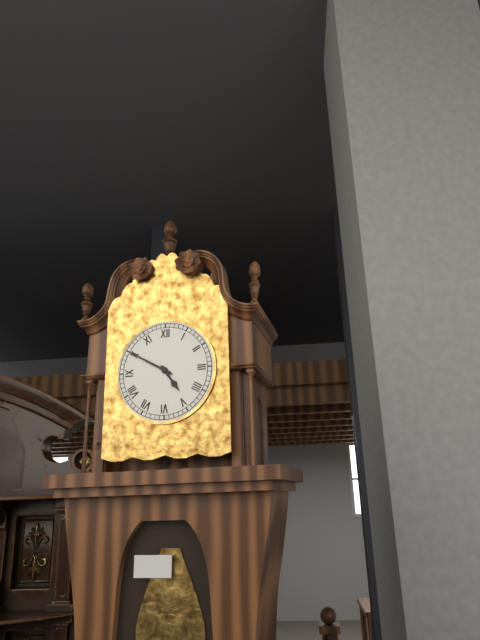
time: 4:50
